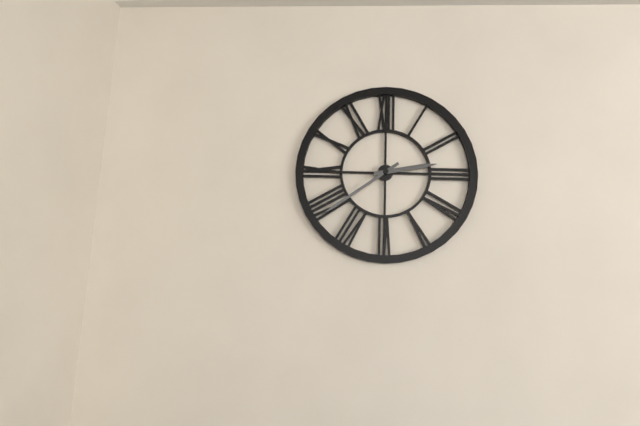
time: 2:39
